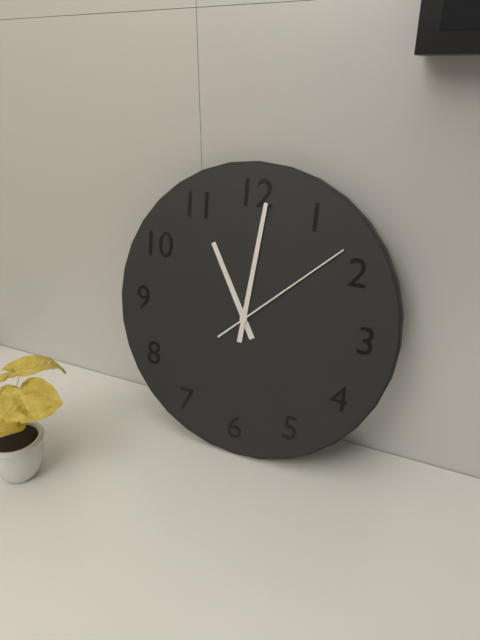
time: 11:01:08
